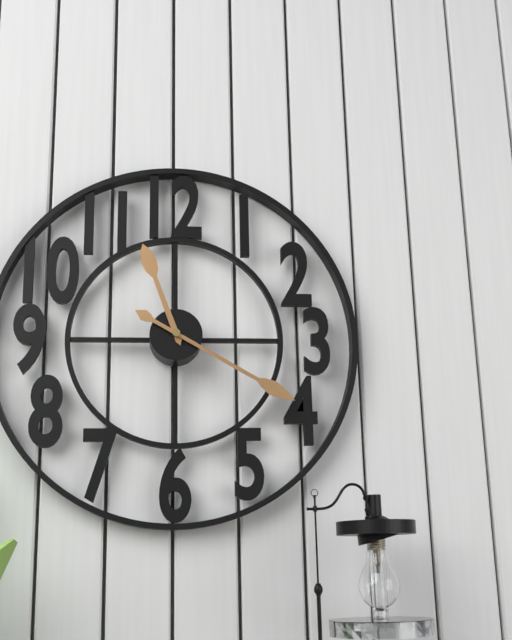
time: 11:20
